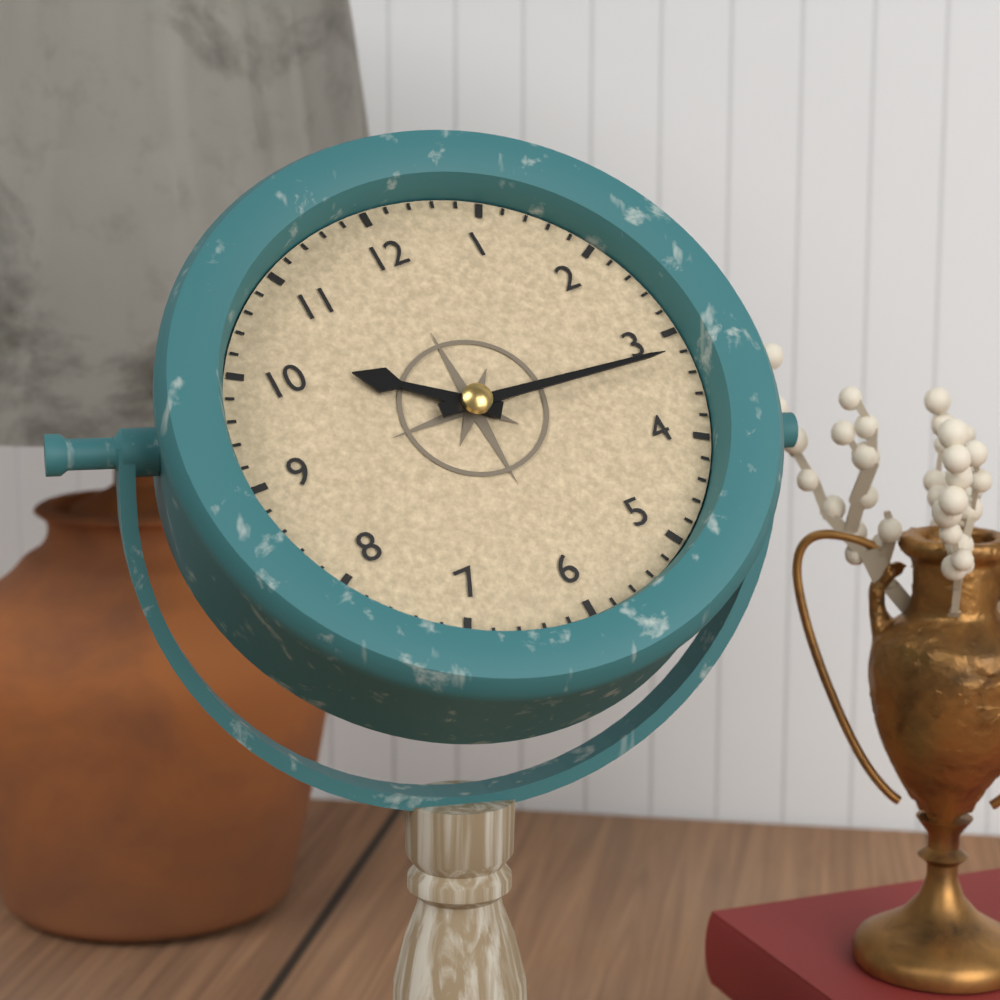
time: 10:16
